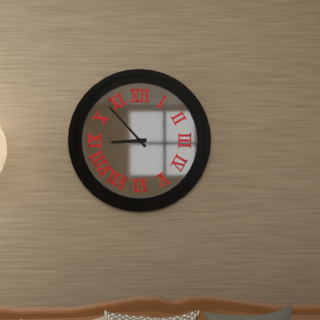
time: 8:53
